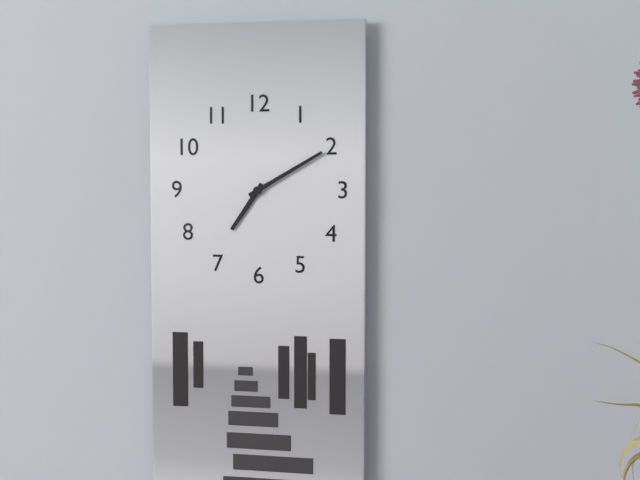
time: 7:10
